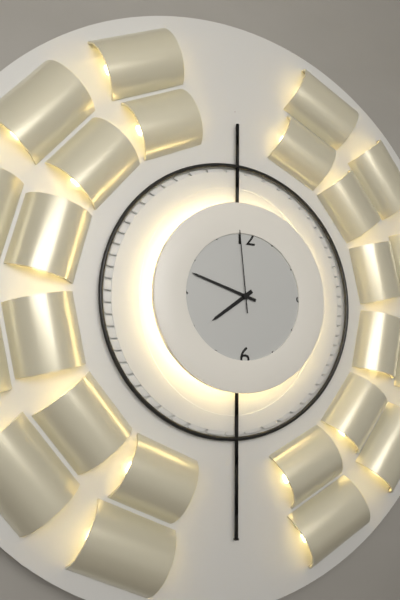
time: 7:48:59
